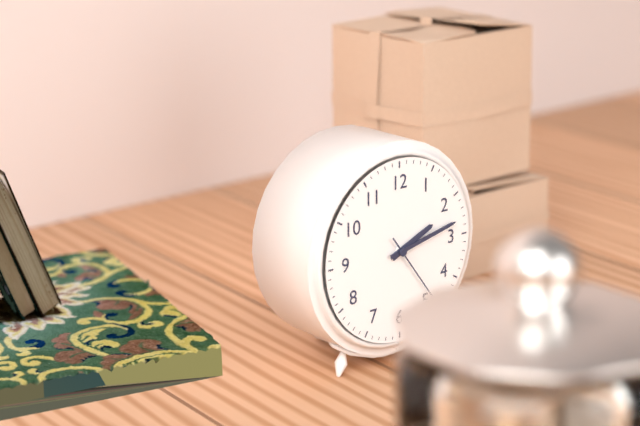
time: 2:13:24
